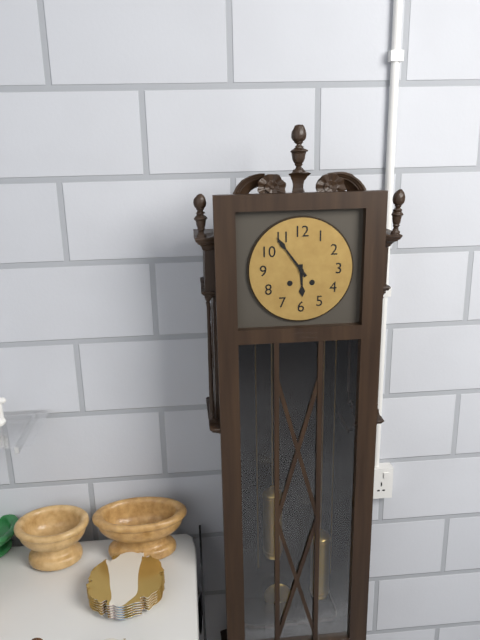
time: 5:54
